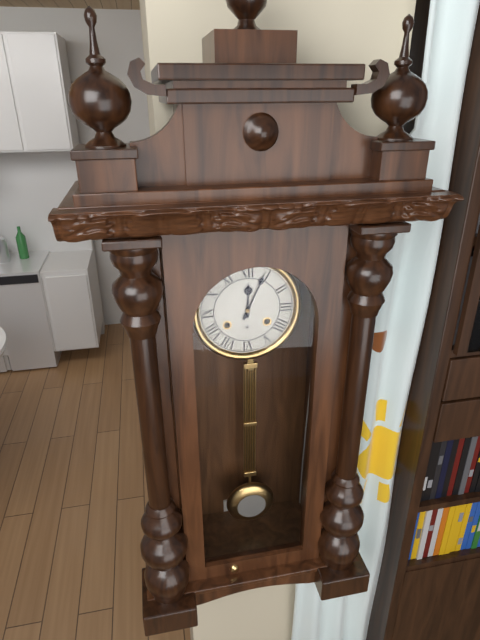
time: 12:04
